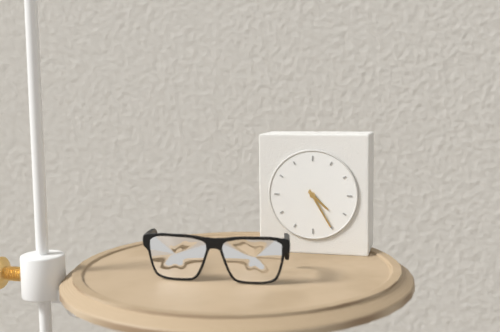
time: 4:25
